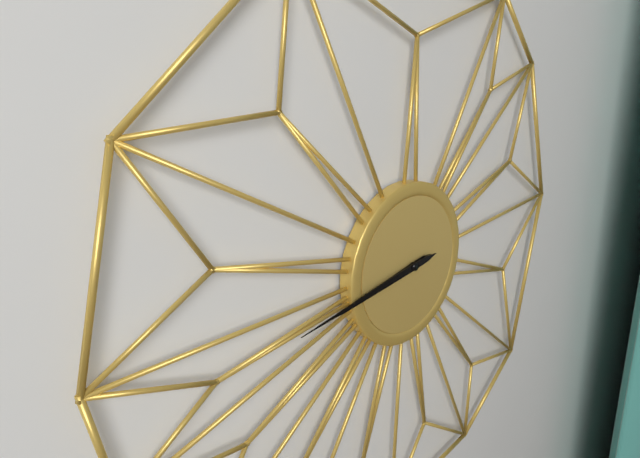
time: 8:44
